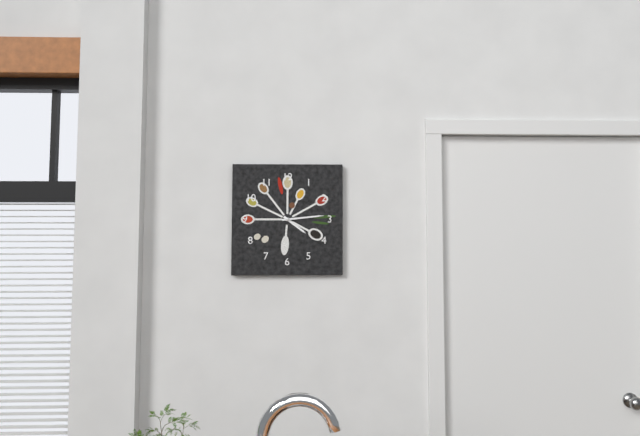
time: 4:14
